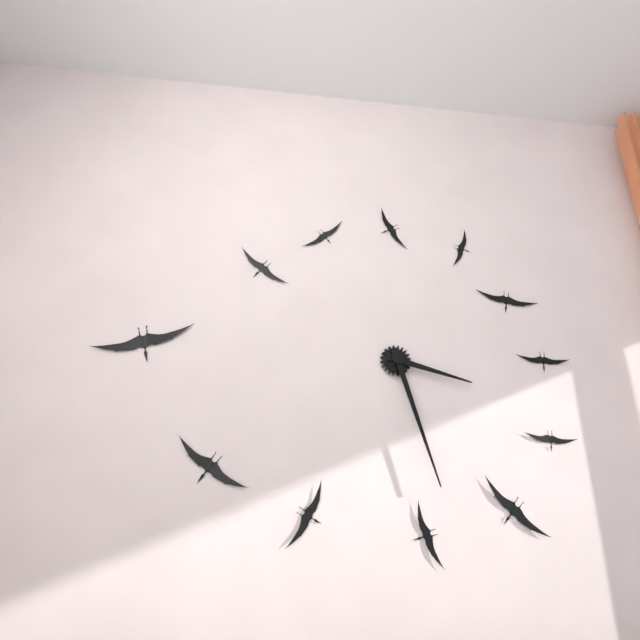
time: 3:27
